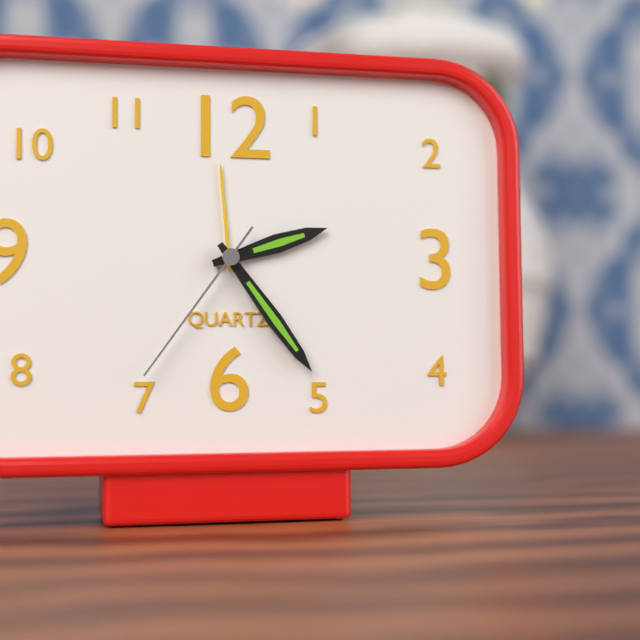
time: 2:24:36
